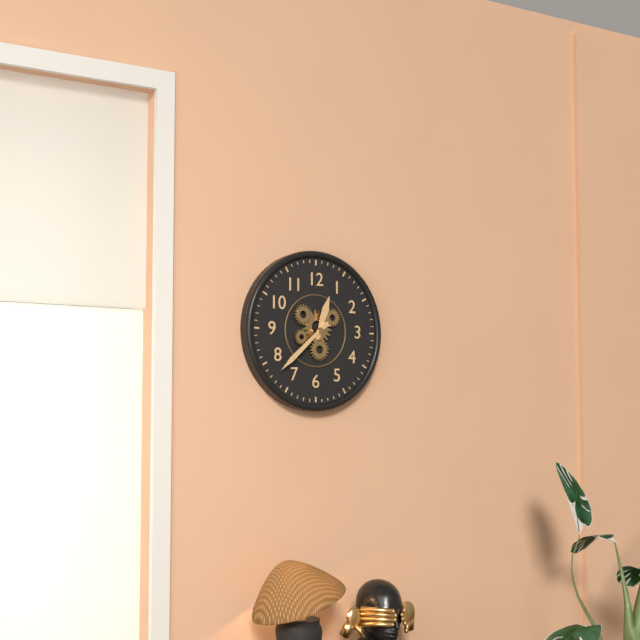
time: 12:38
